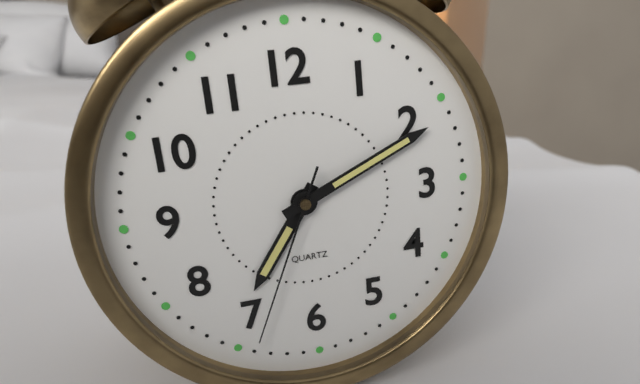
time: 7:11:34
